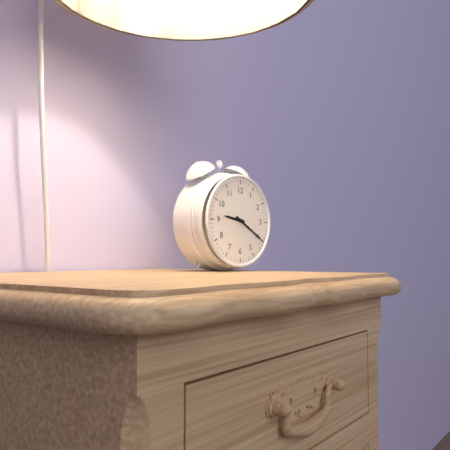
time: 9:20
